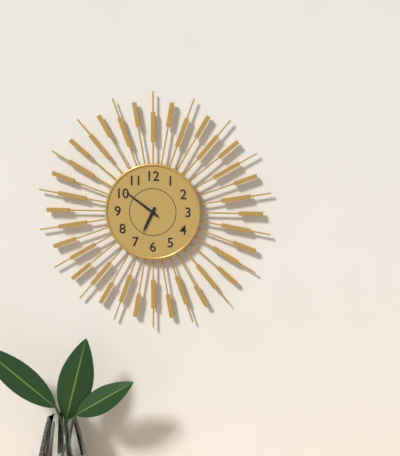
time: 6:51
